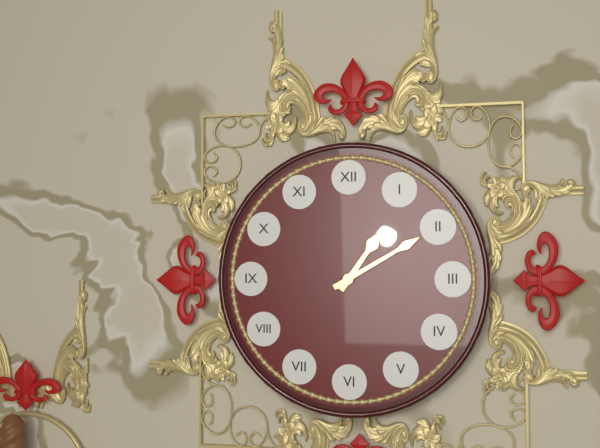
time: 1:10
